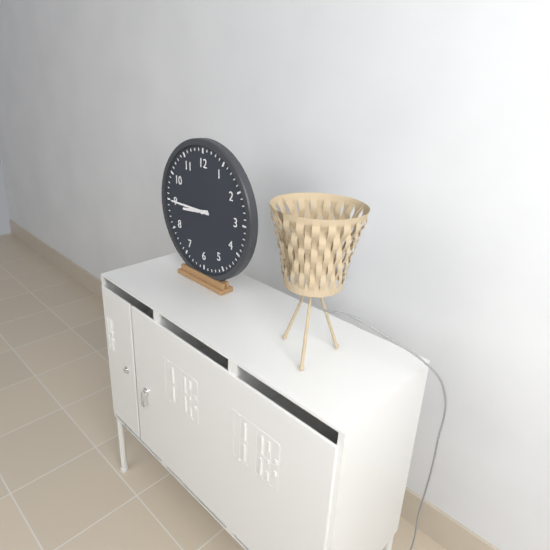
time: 8:45
